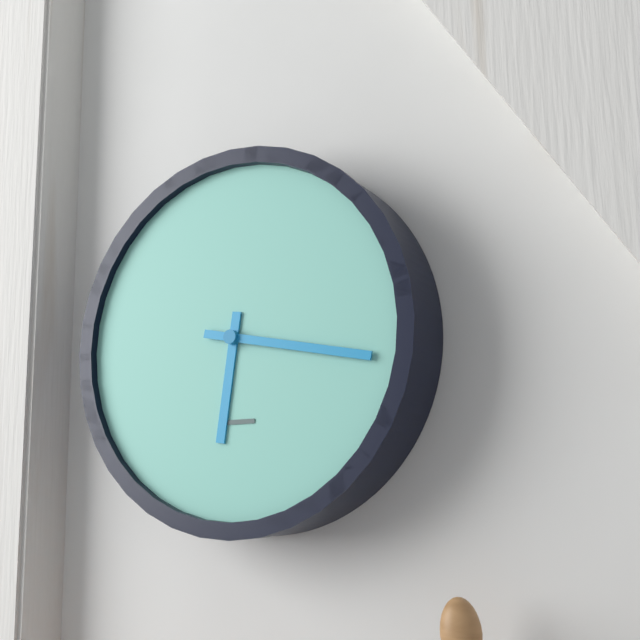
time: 6:17
